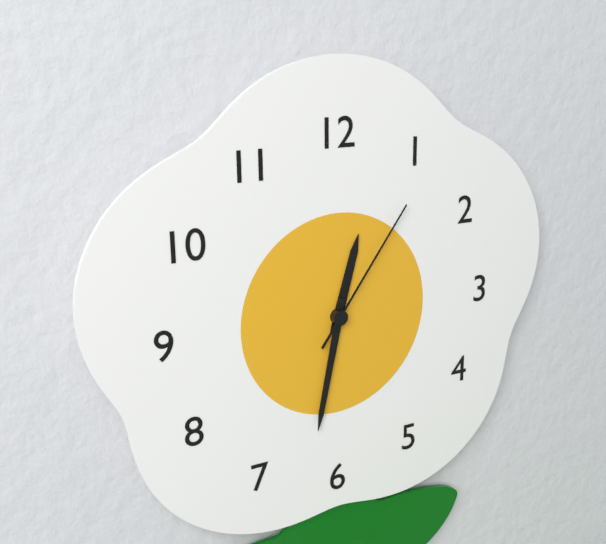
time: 12:32:06
